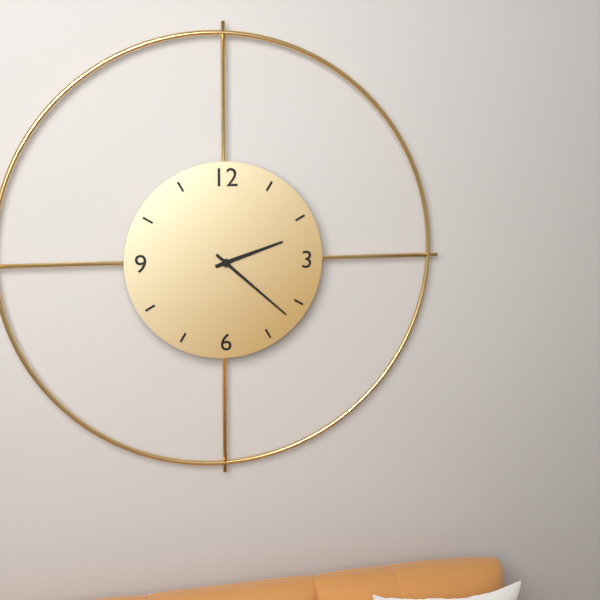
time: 2:22
